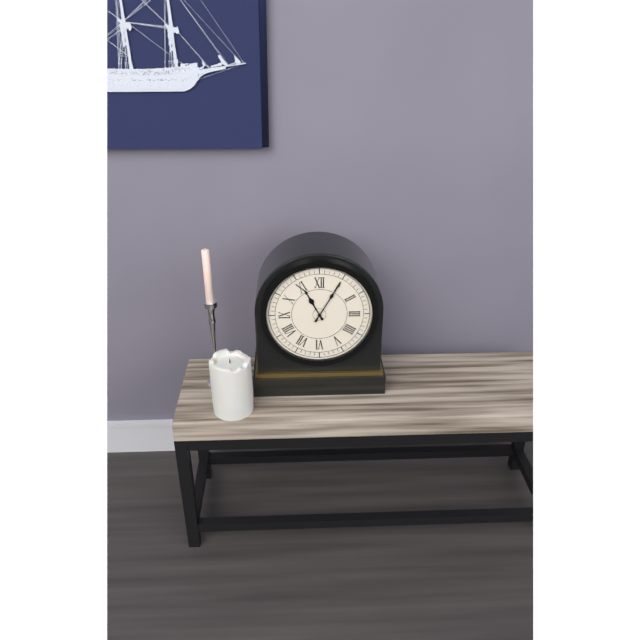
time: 11:05
